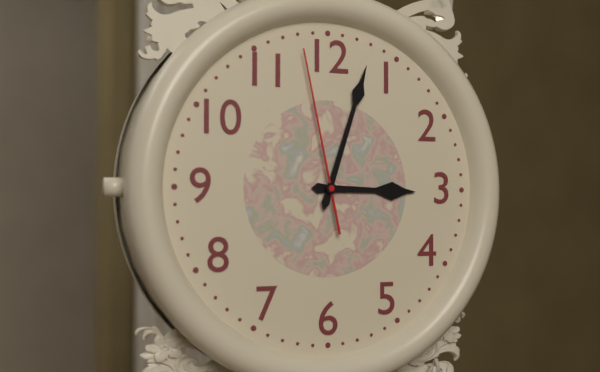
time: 3:03:58
